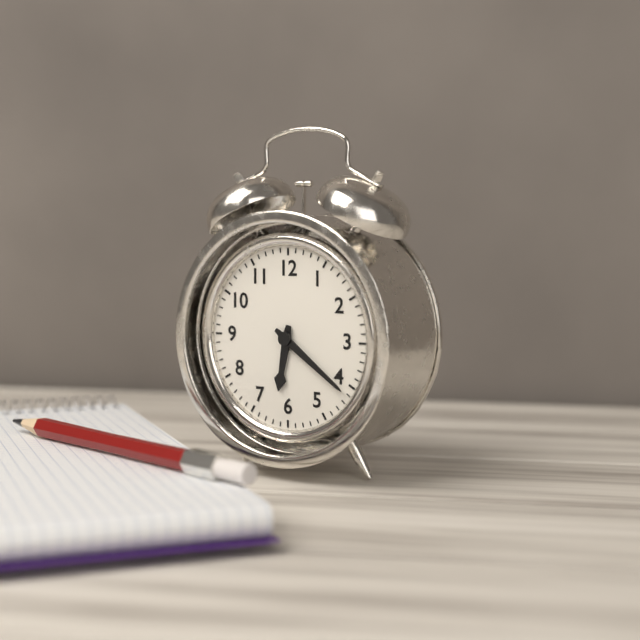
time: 6:21
